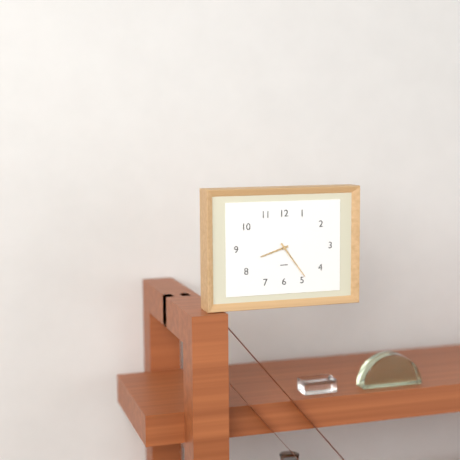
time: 8:24
